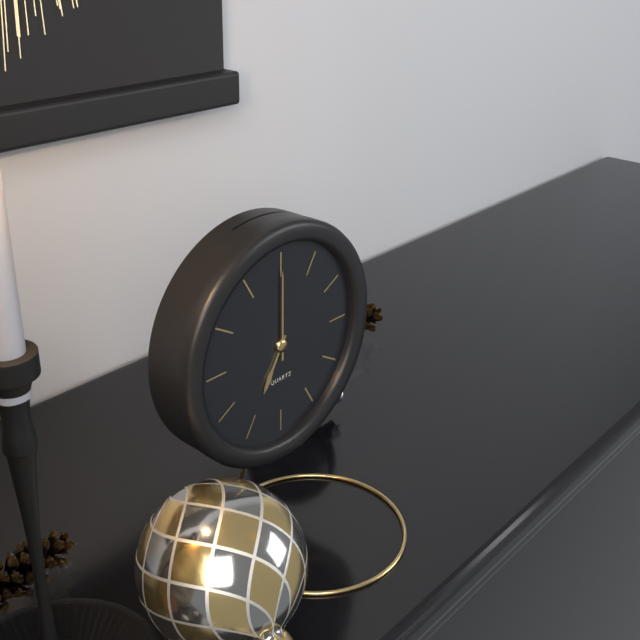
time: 7:00
